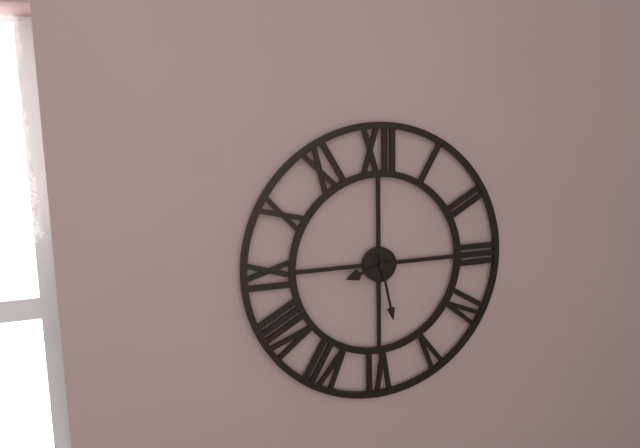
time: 8:28
